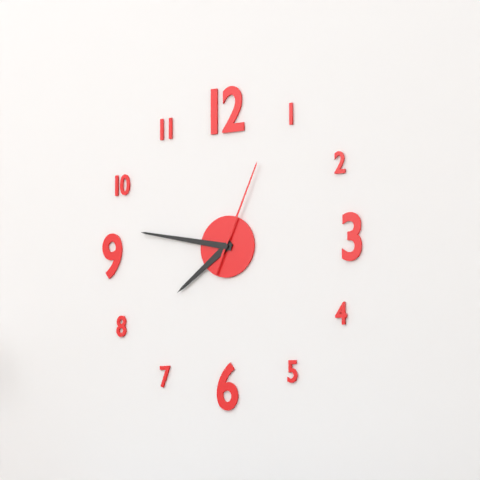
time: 7:47:04
